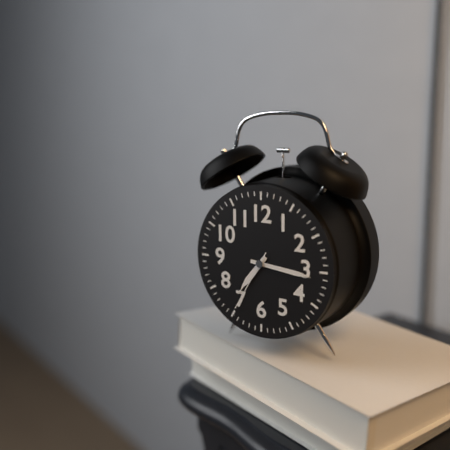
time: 7:16:35
